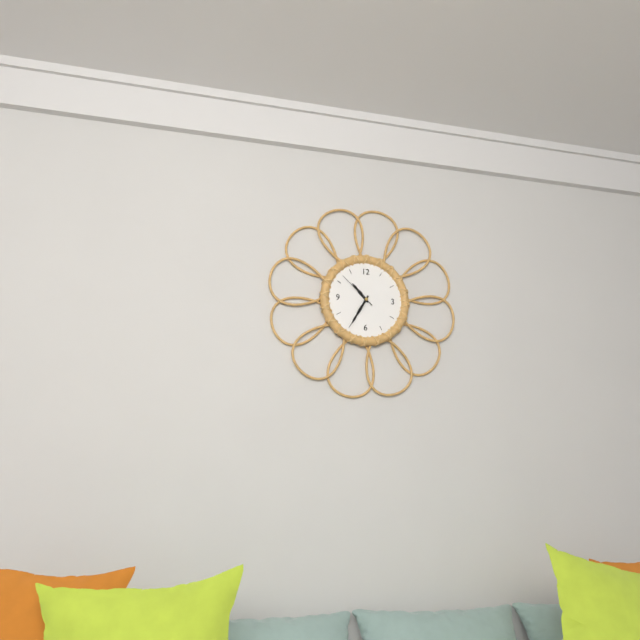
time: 10:35
